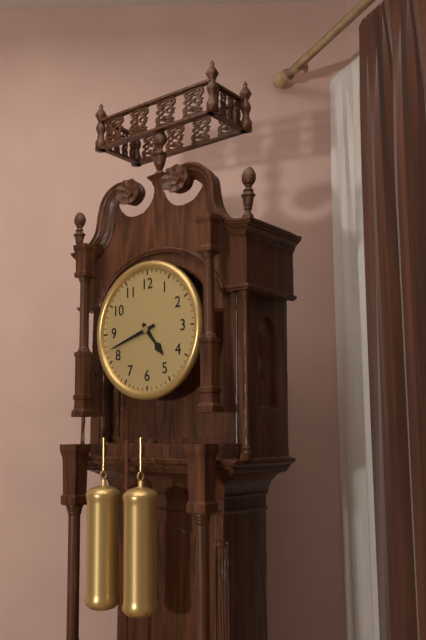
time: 4:42
